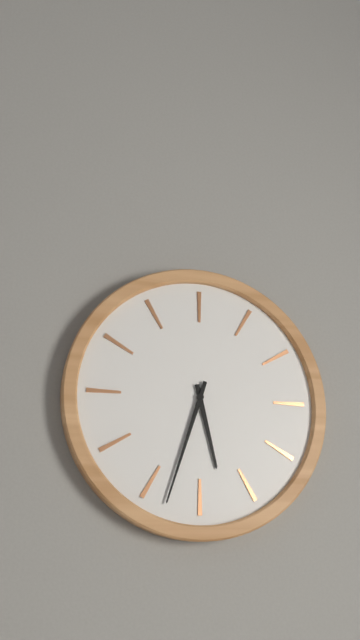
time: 5:33
